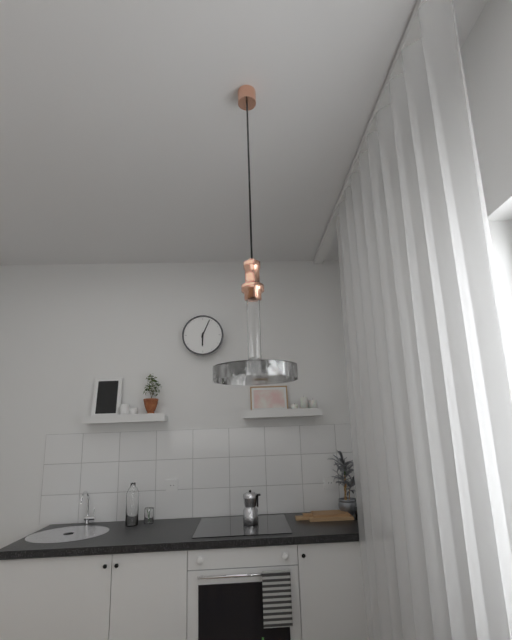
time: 6:04
